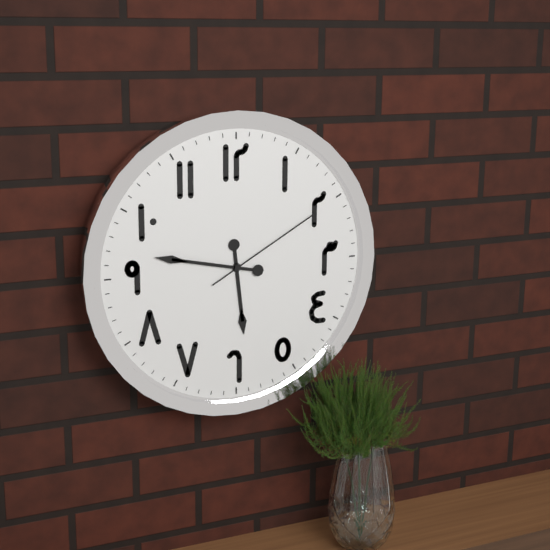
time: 5:47:10
